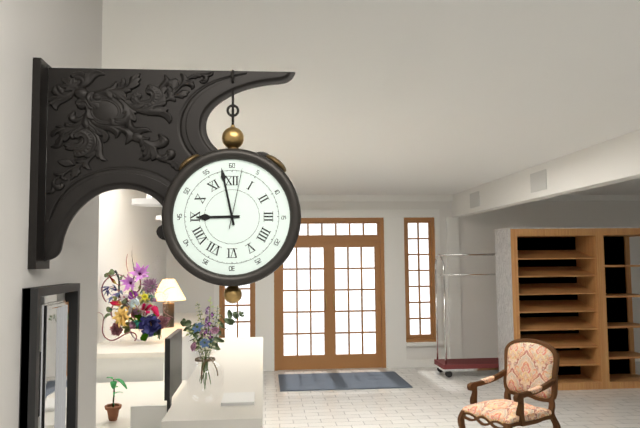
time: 8:58:02
